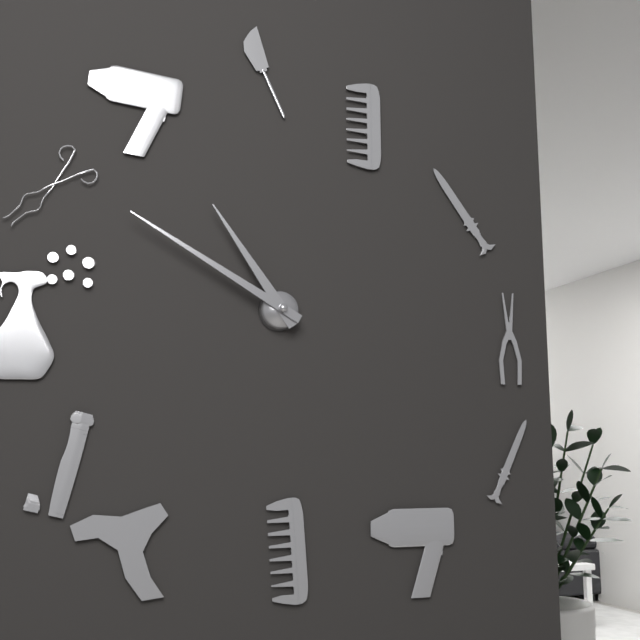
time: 10:50
